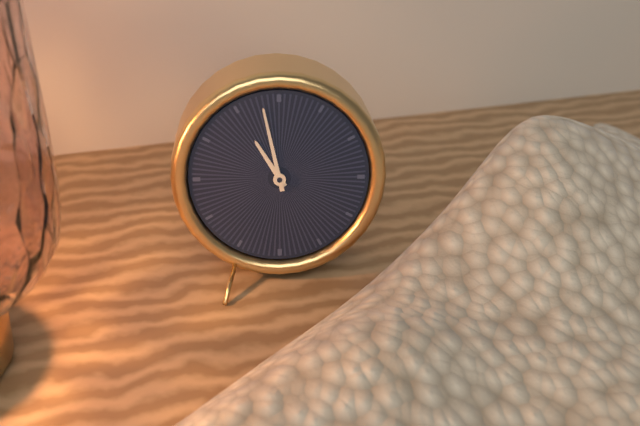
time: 10:58
